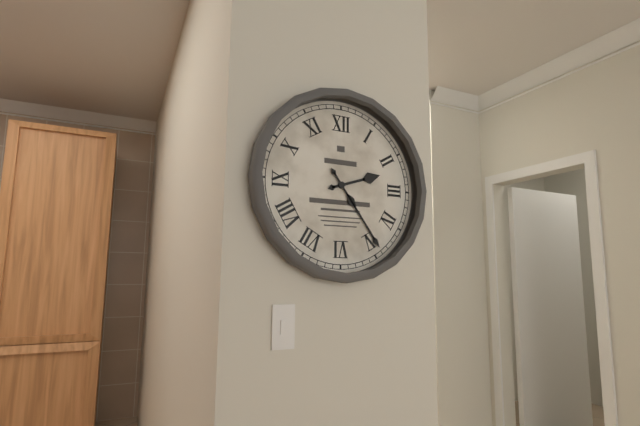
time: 2:24
